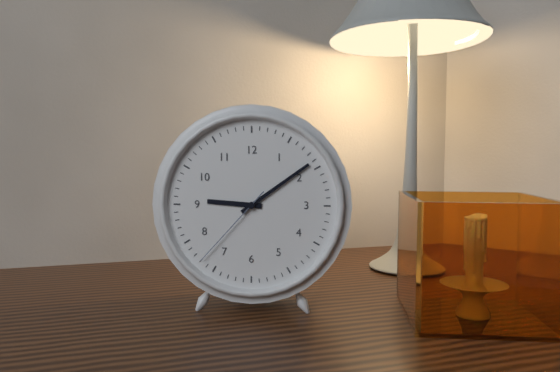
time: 9:09:37
